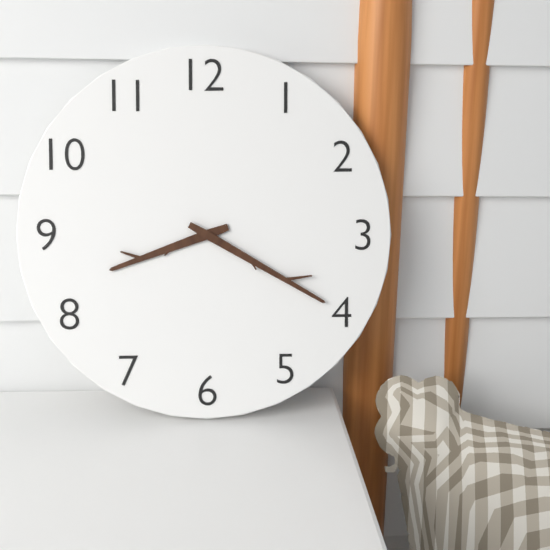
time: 8:20
